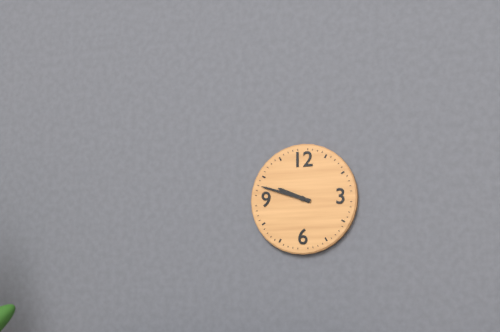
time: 9:48
